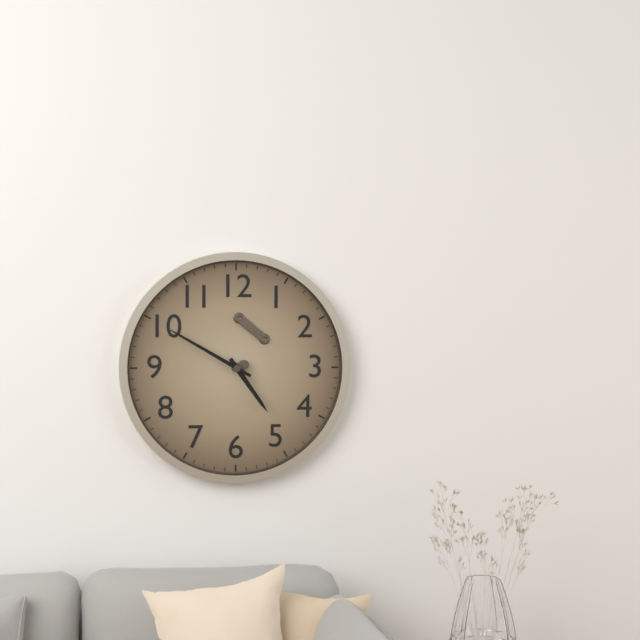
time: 4:50
